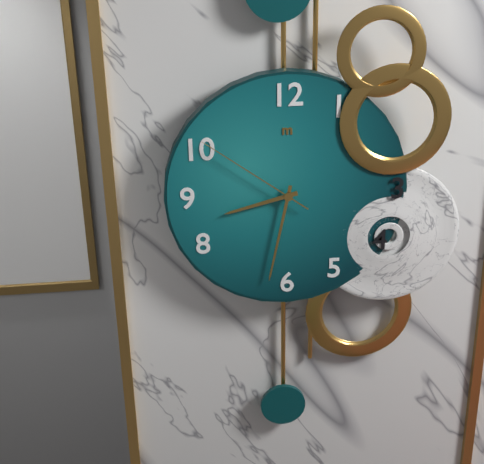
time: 8:32:51
